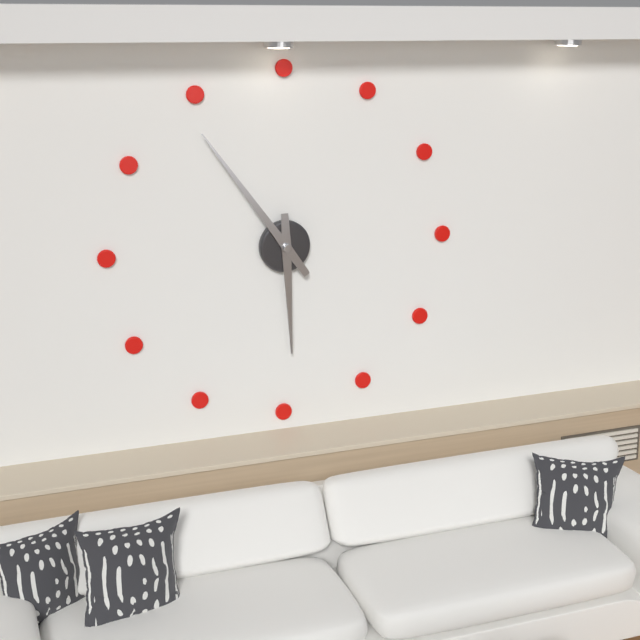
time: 5:54
